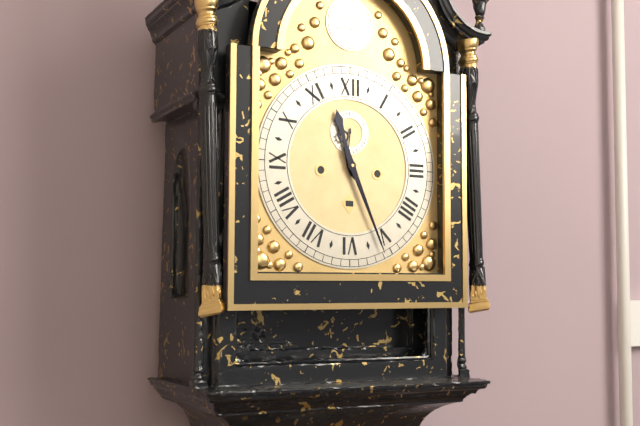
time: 11:26
